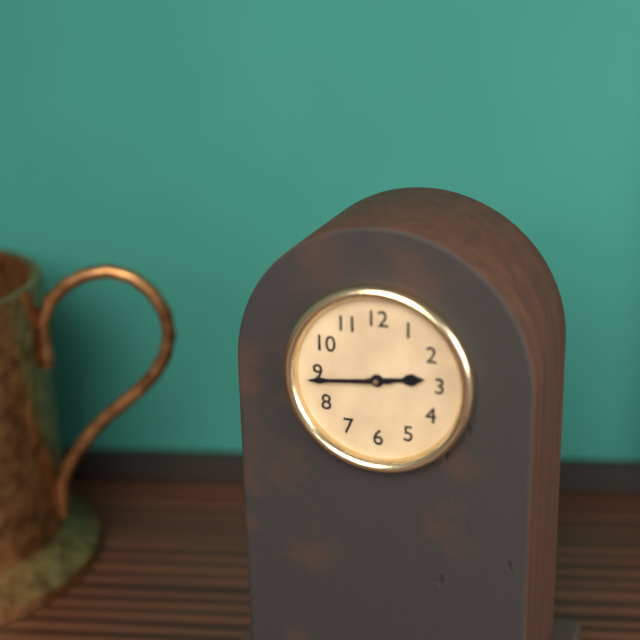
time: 2:44
